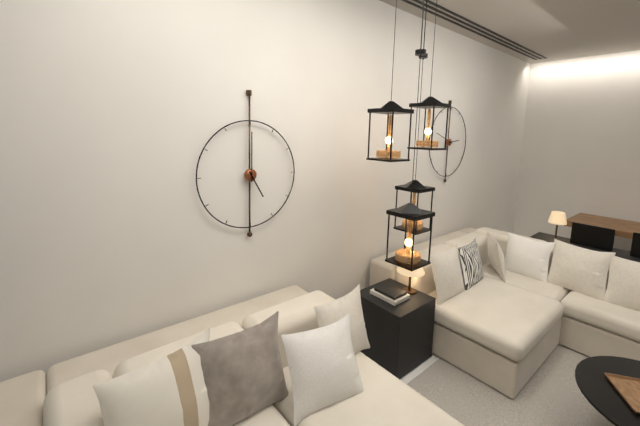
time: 5:00
